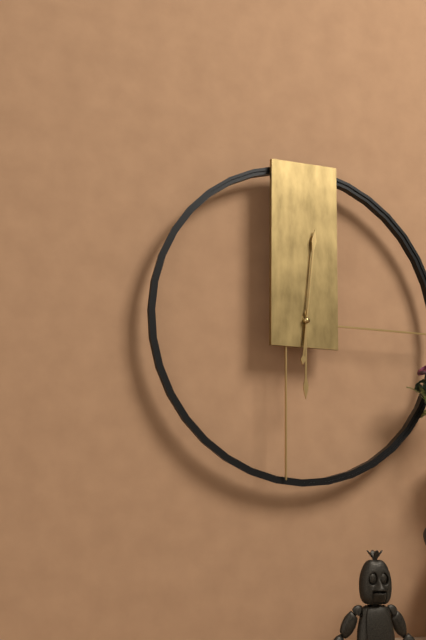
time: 6:01
